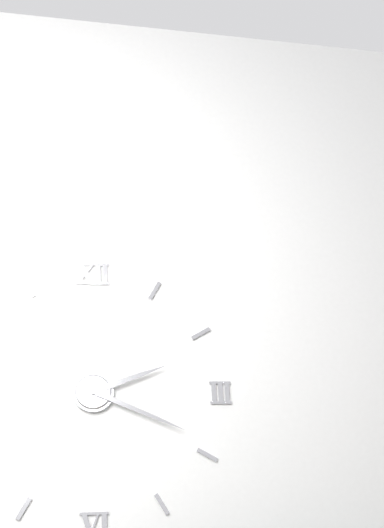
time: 2:19
